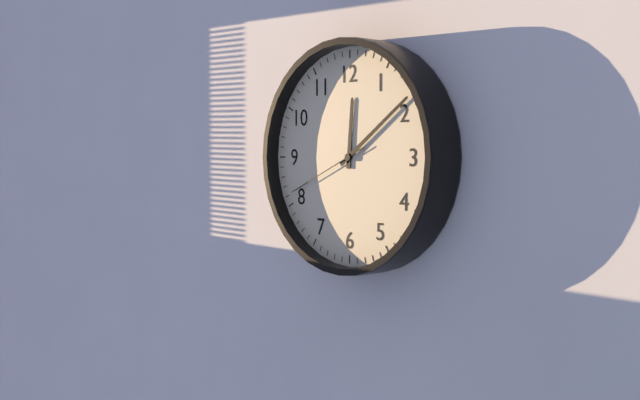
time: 12:09:41
